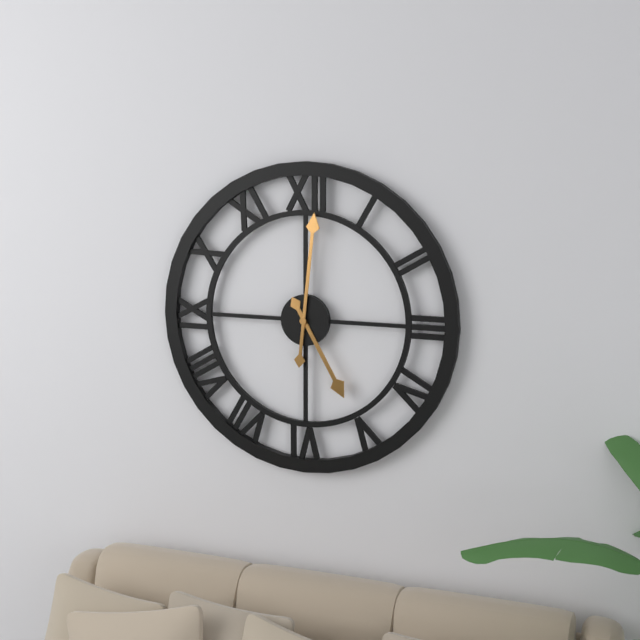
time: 5:01
